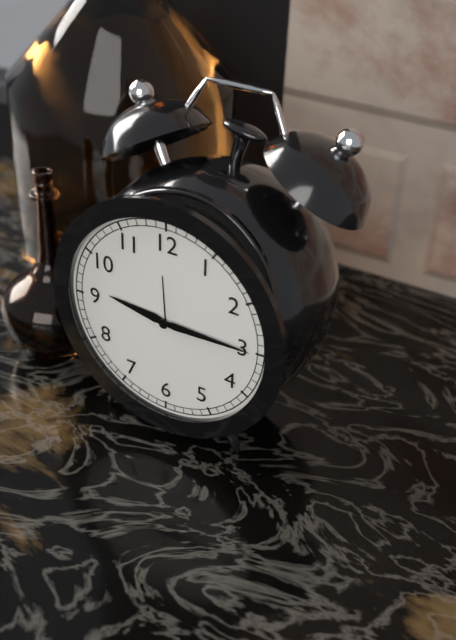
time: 9:15
